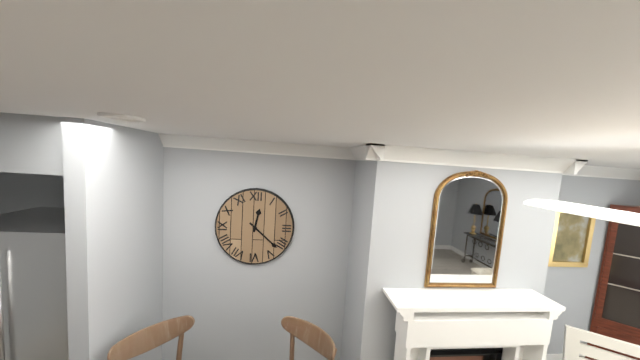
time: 12:22
